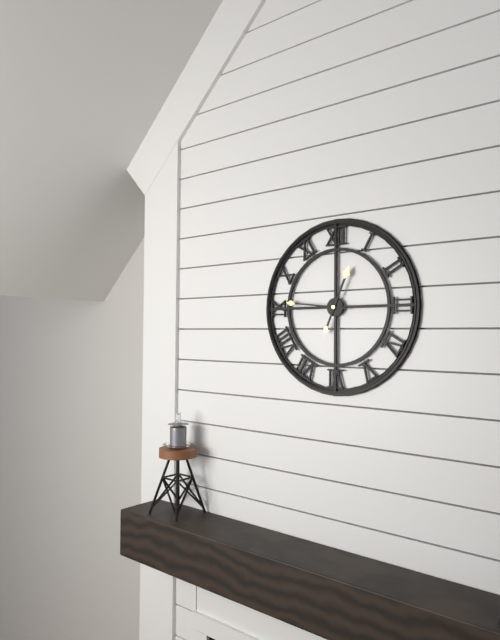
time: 12:46
